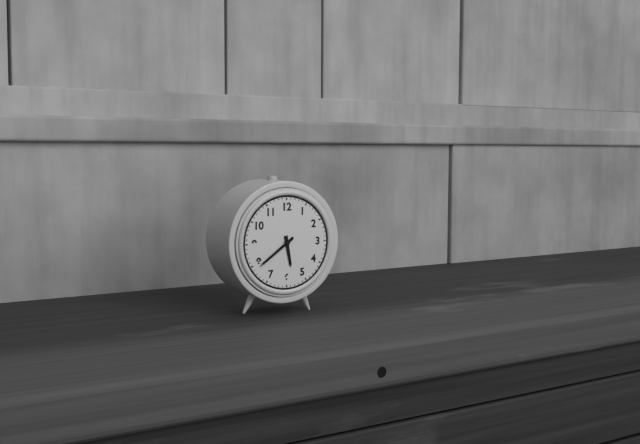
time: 5:39
